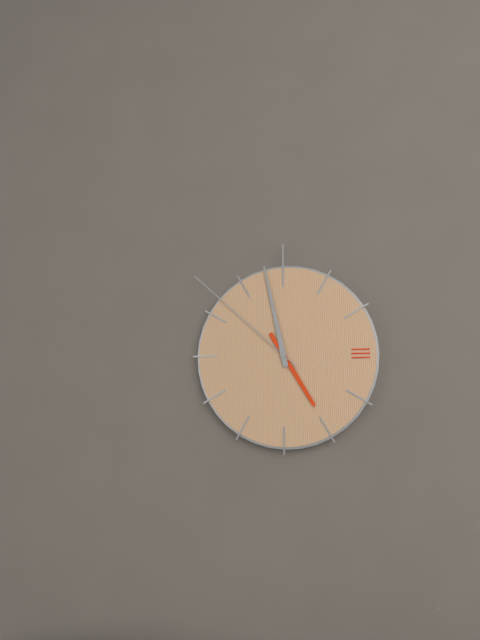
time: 4:58:52
